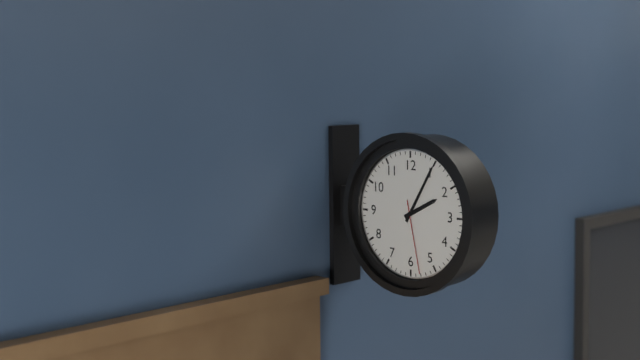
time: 2:05:28
